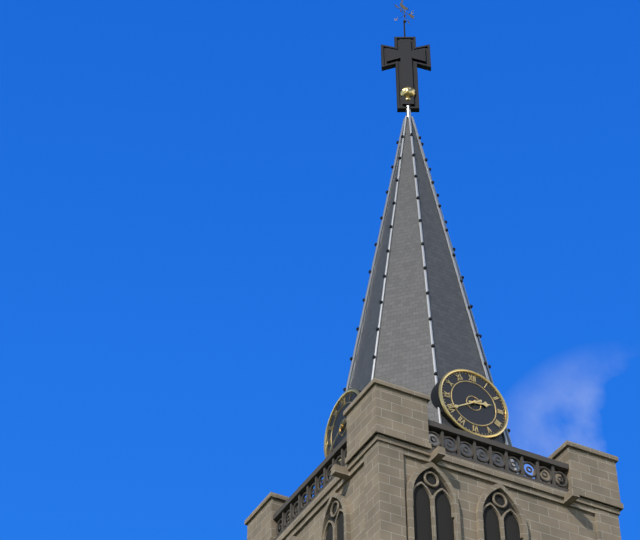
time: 2:40
